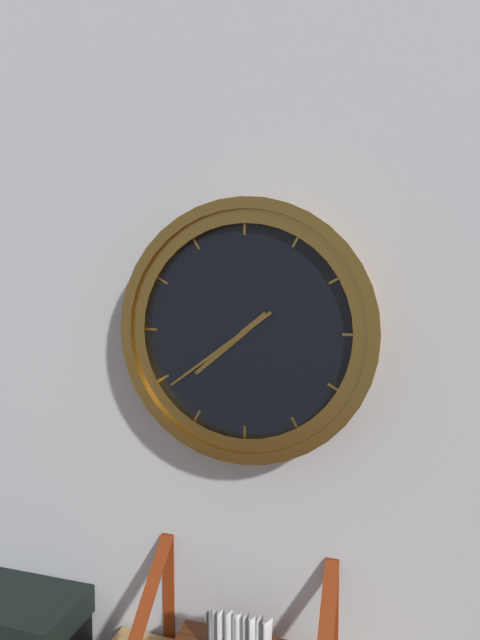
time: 7:39
